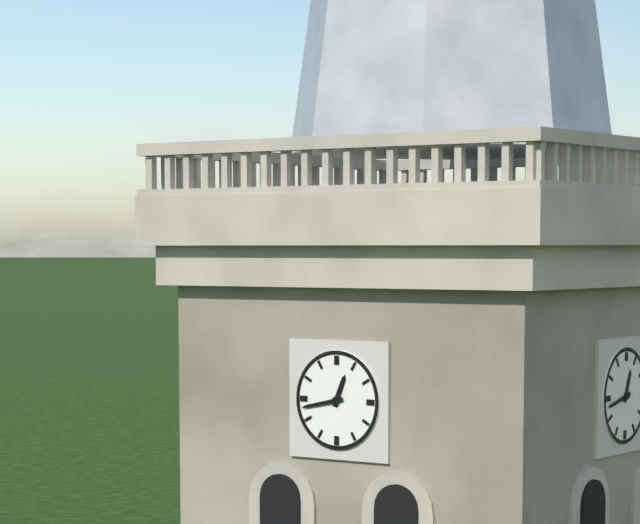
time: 12:43
